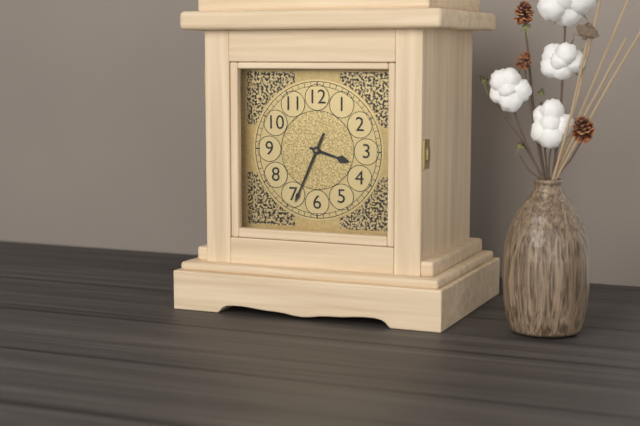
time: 3:34
